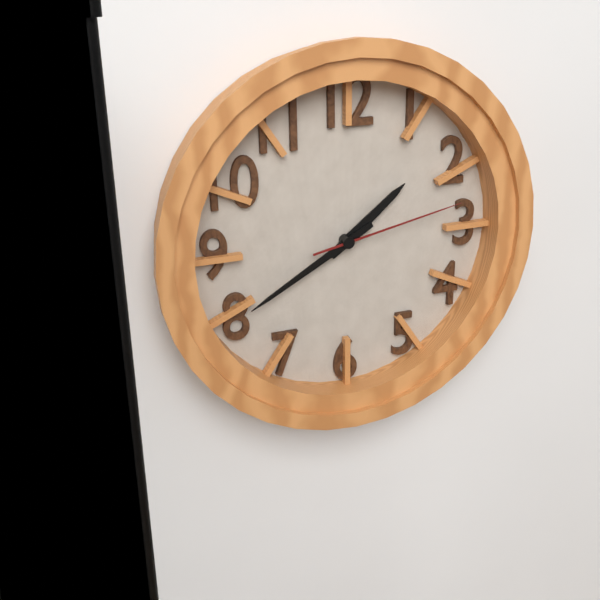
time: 1:40:13
